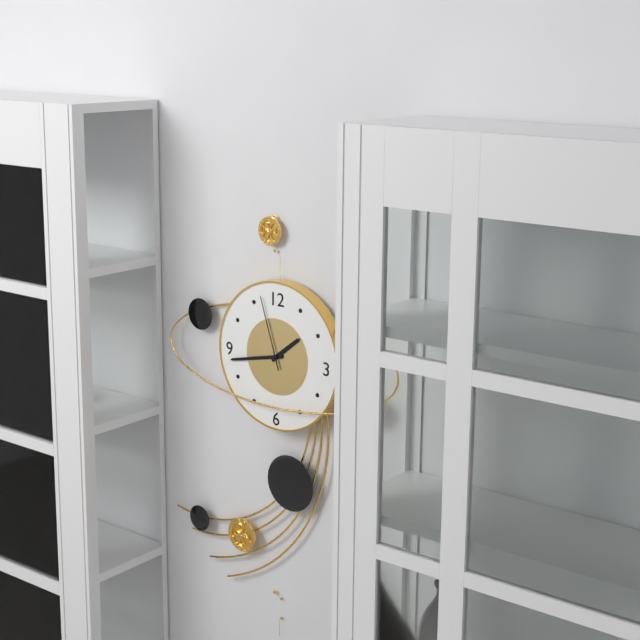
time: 1:43:57
